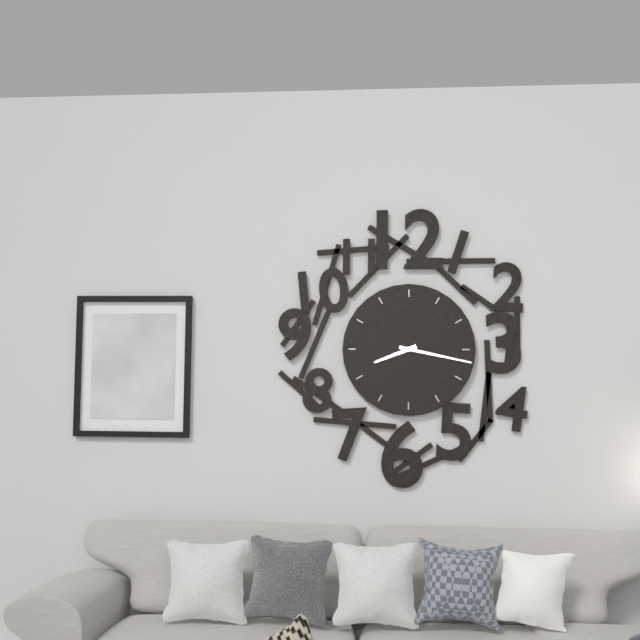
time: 8:17
